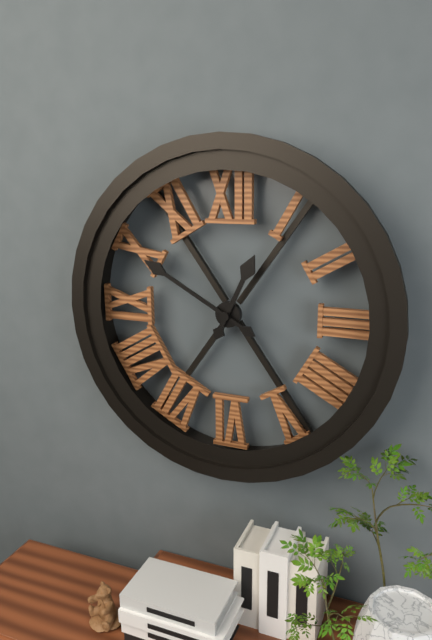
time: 12:50
